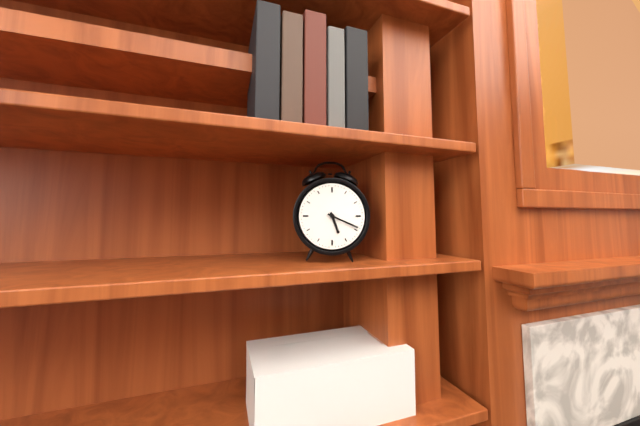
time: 5:19
